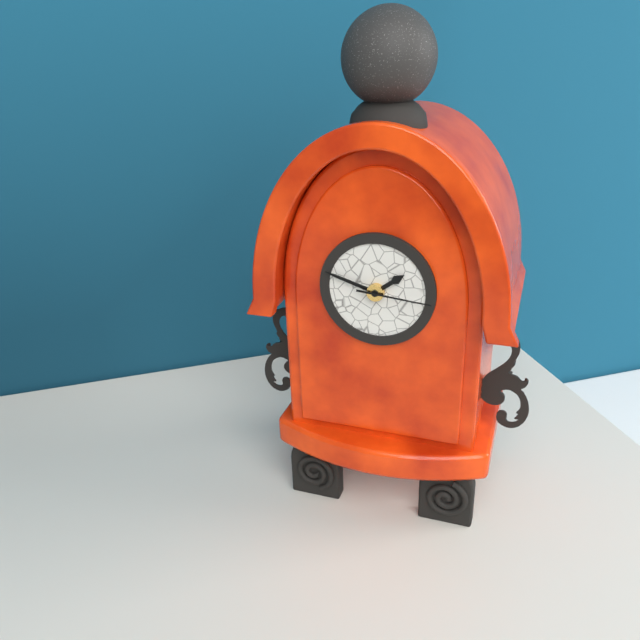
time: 1:48:16
